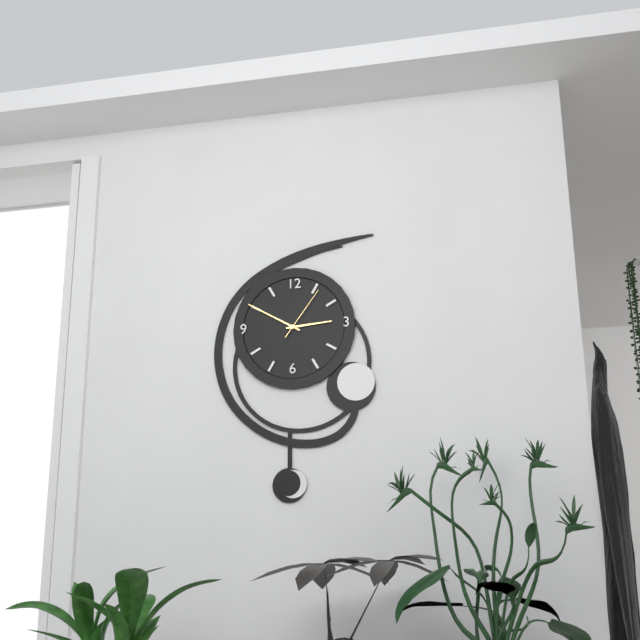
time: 2:50:06
